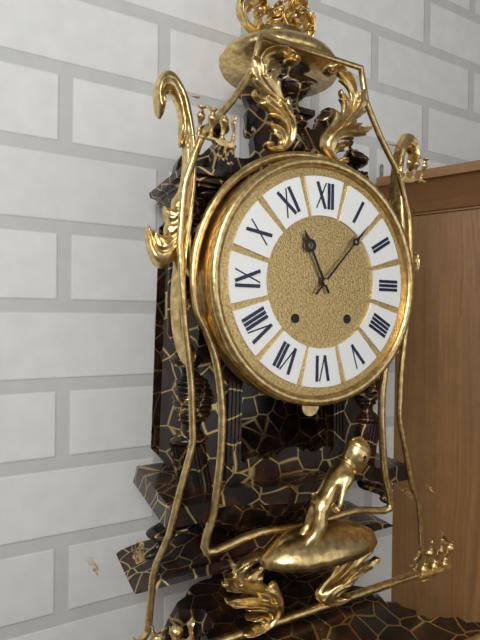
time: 11:07
